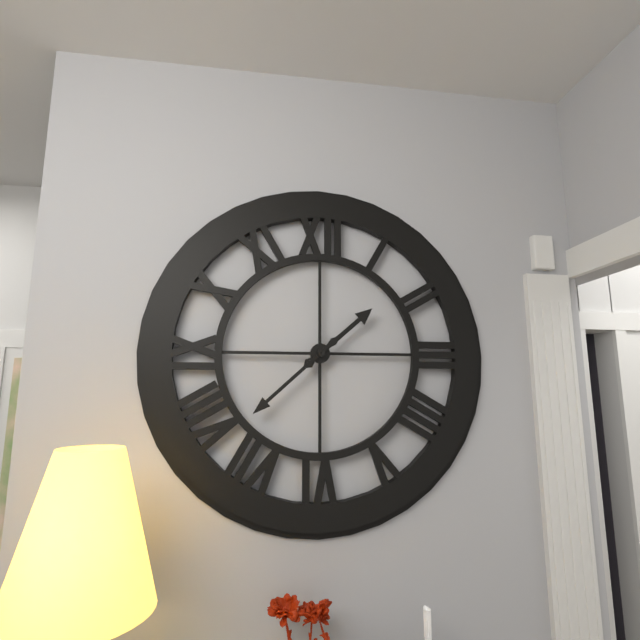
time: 1:38
